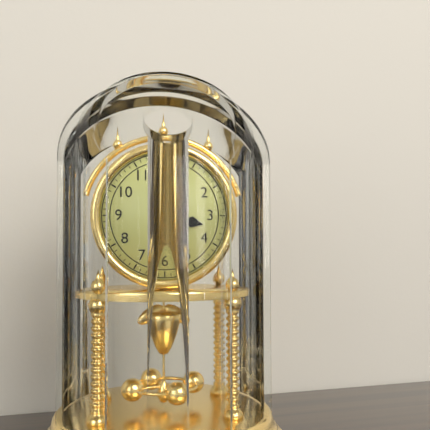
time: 3:27
